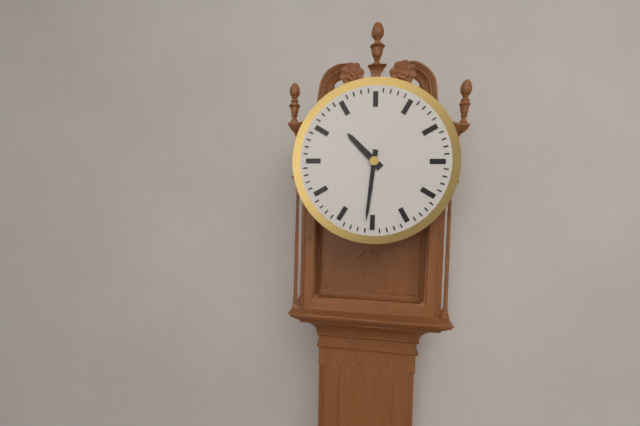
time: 10:31
